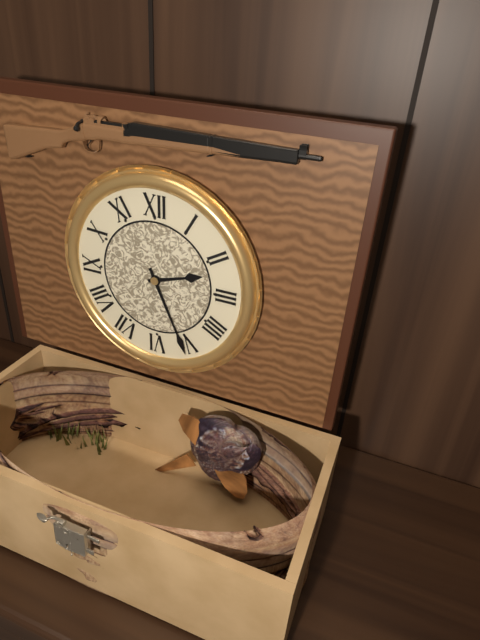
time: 2:26
